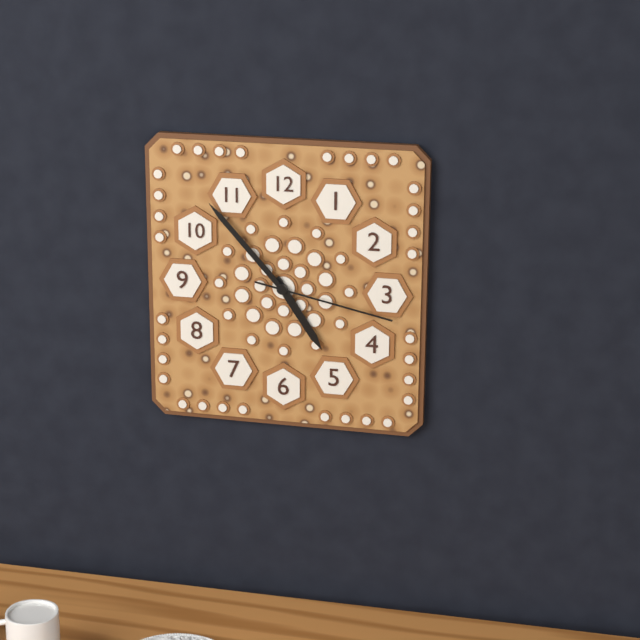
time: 4:53:17
